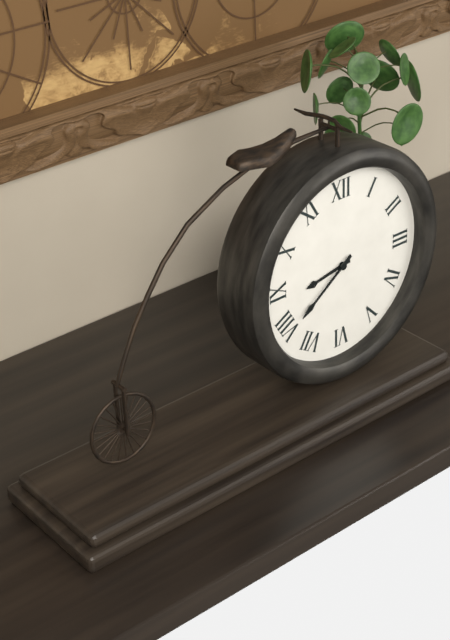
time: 8:39
